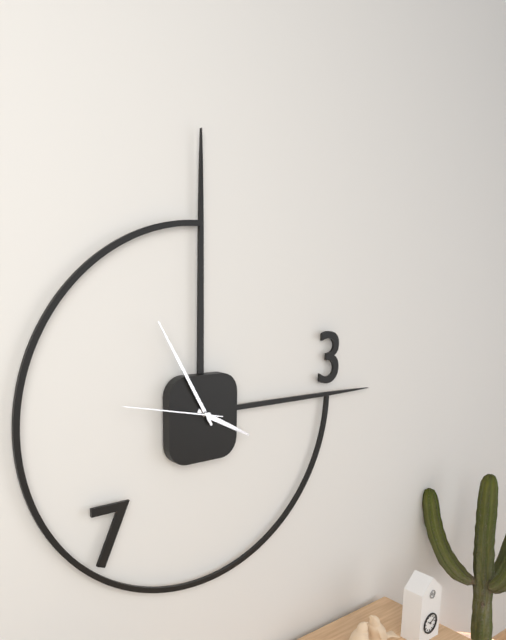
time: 3:55:47
